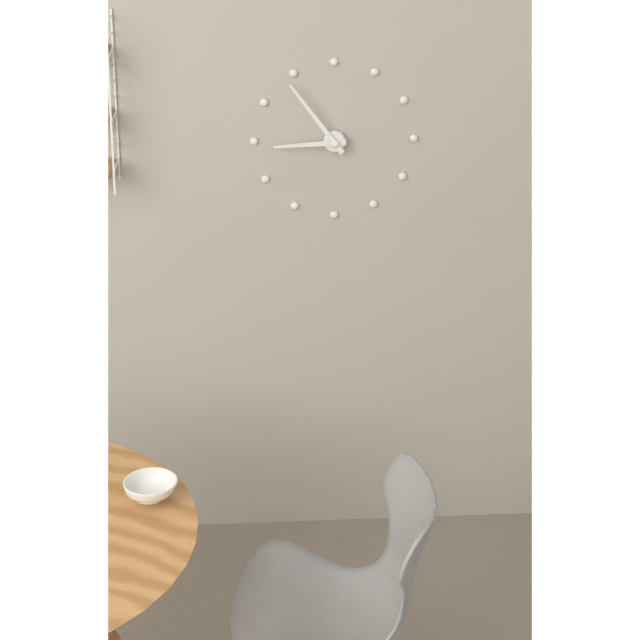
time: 8:54
